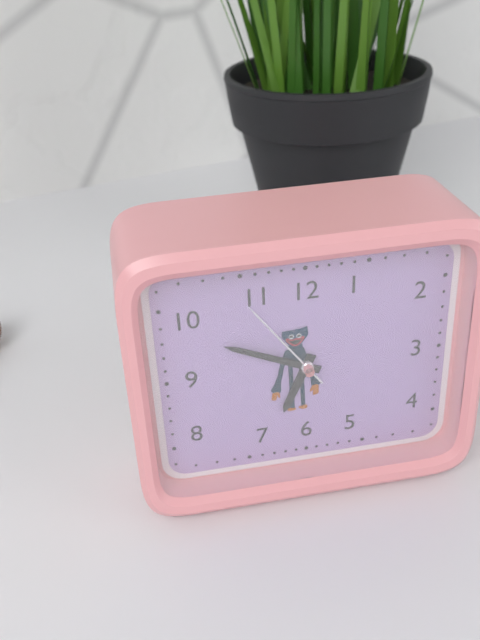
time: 6:49:54
